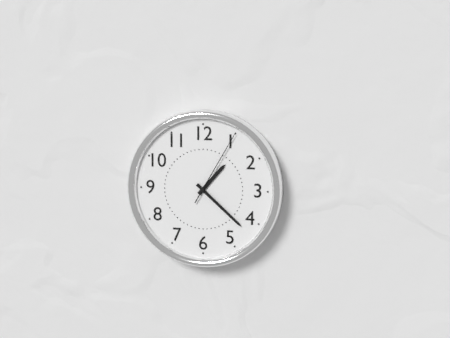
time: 1:22:05
